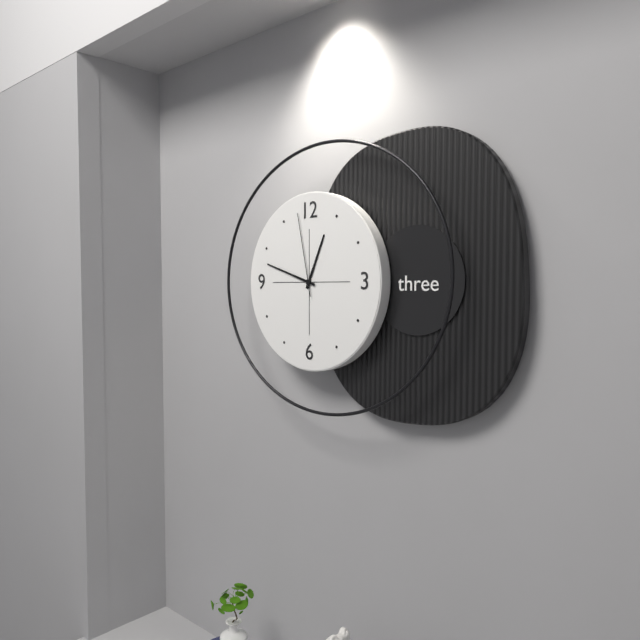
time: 12:48:58
